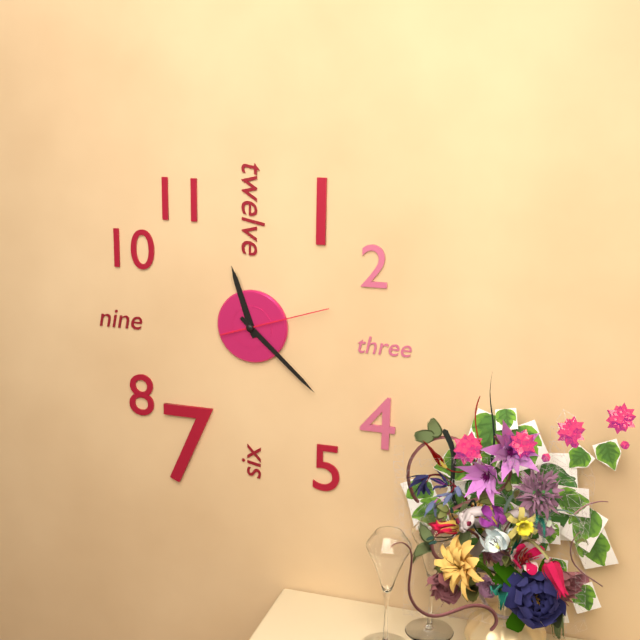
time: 11:22:12
